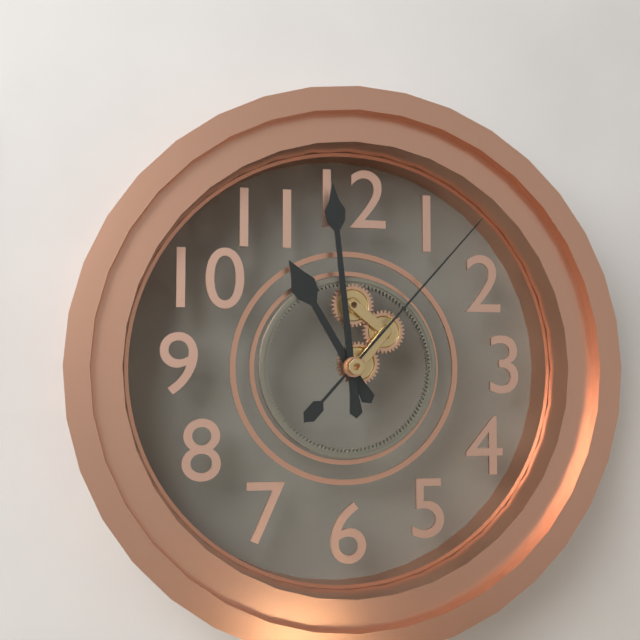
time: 10:59:07
